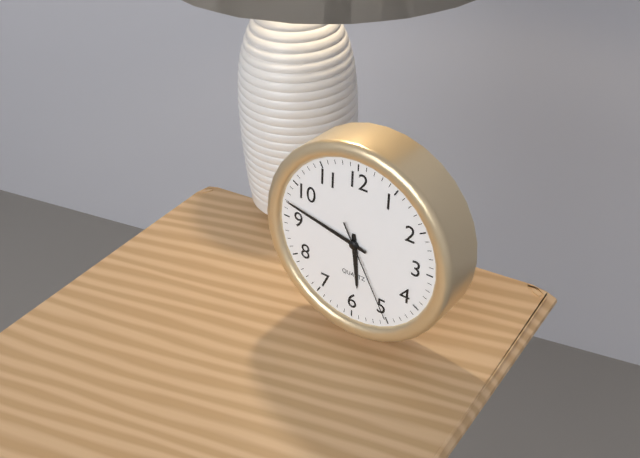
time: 5:47:25
